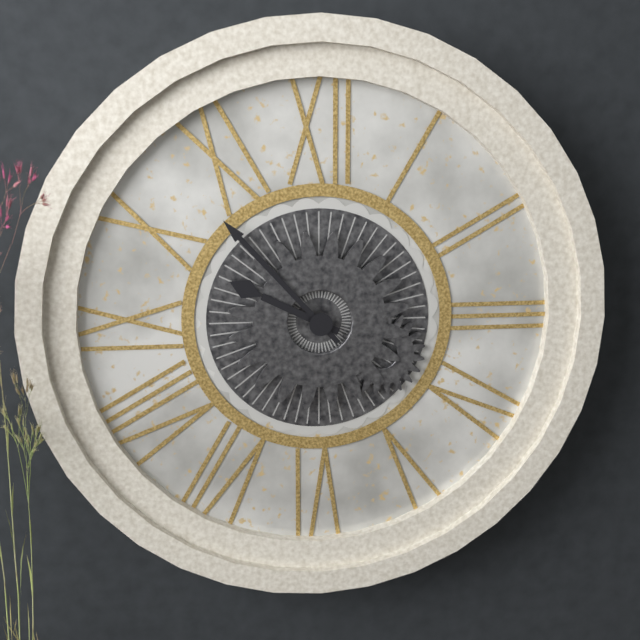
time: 9:53
